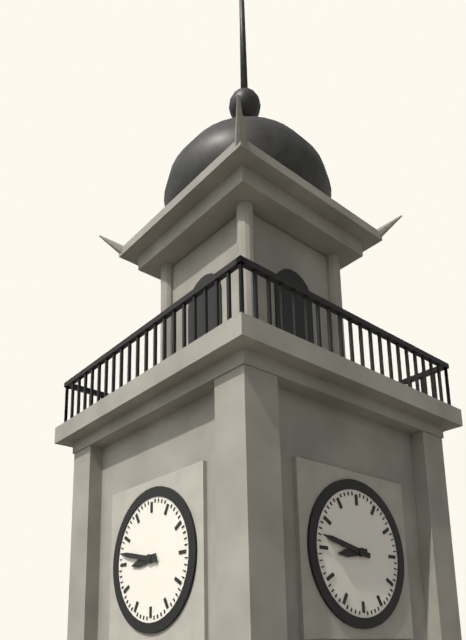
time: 8:47
